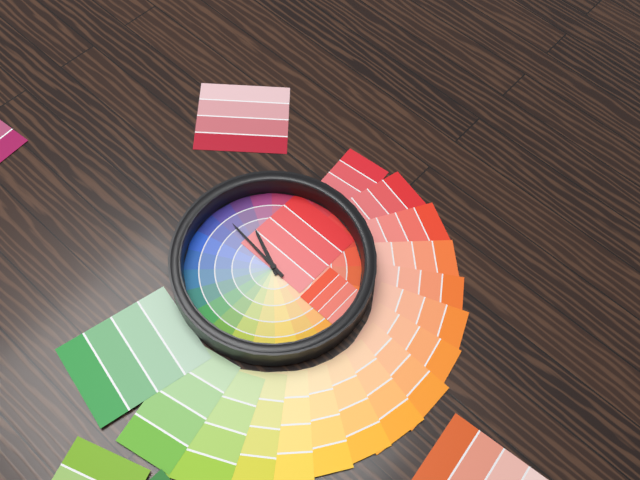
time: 9:46
